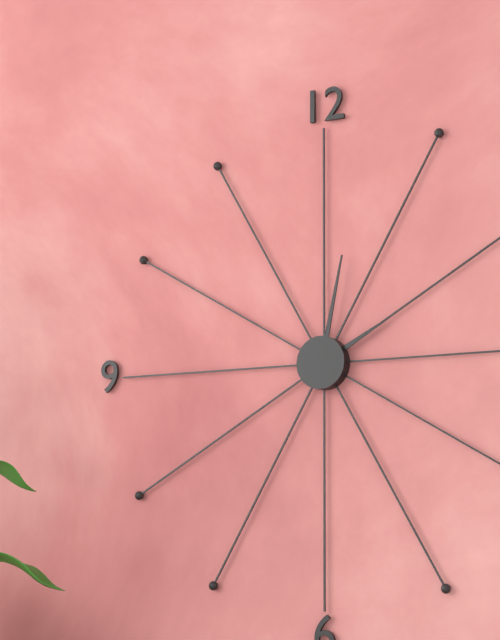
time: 2:02
